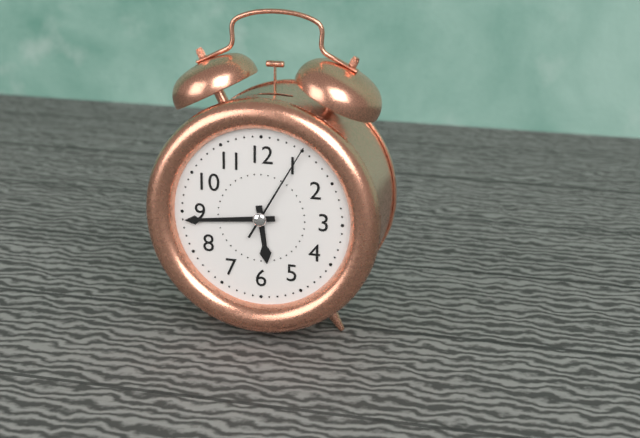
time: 5:44:05
